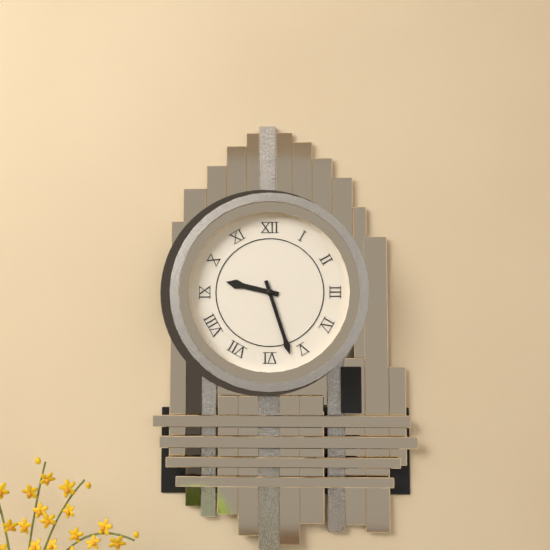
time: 9:27
